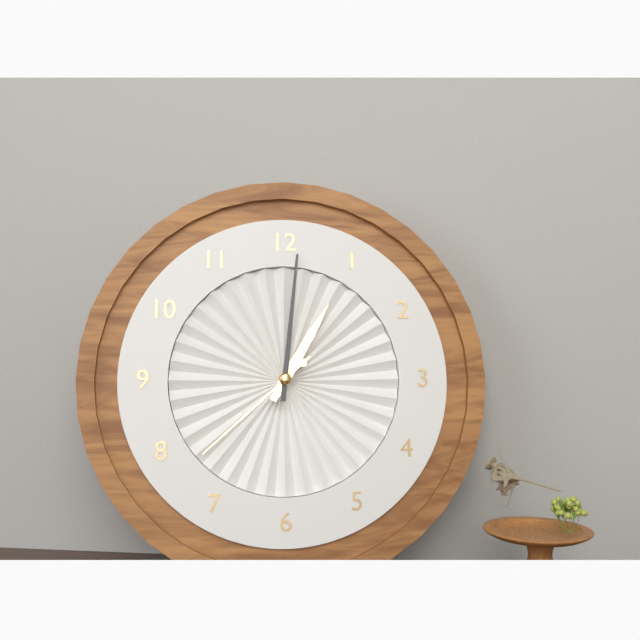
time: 1:01:38
